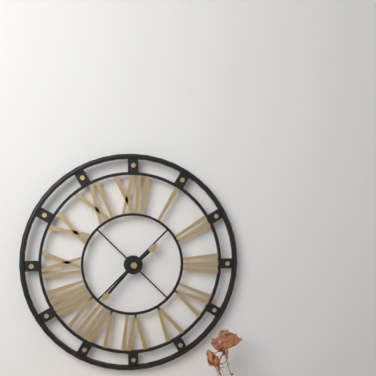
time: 1:37
